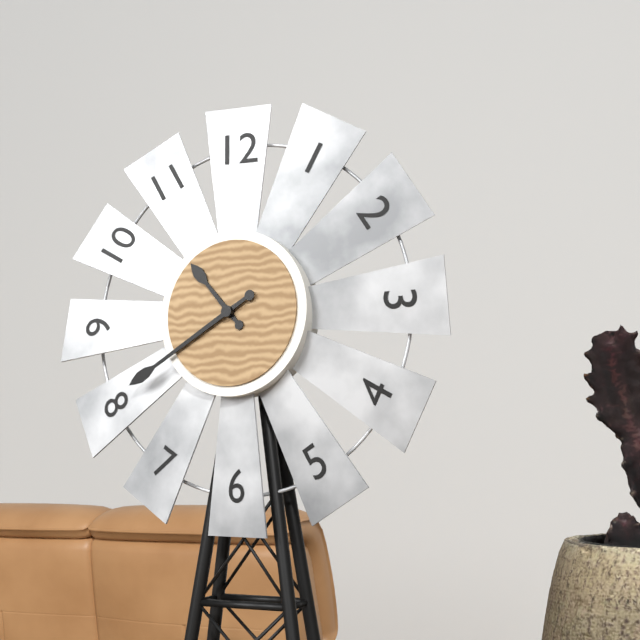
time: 10:40
